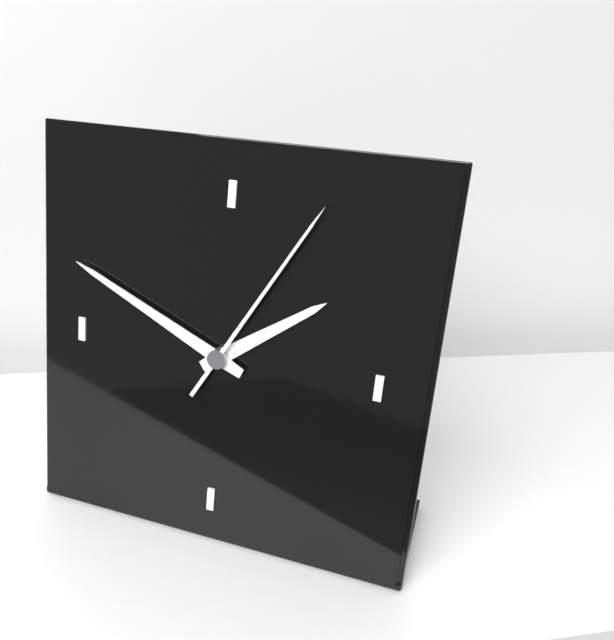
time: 1:49:05
